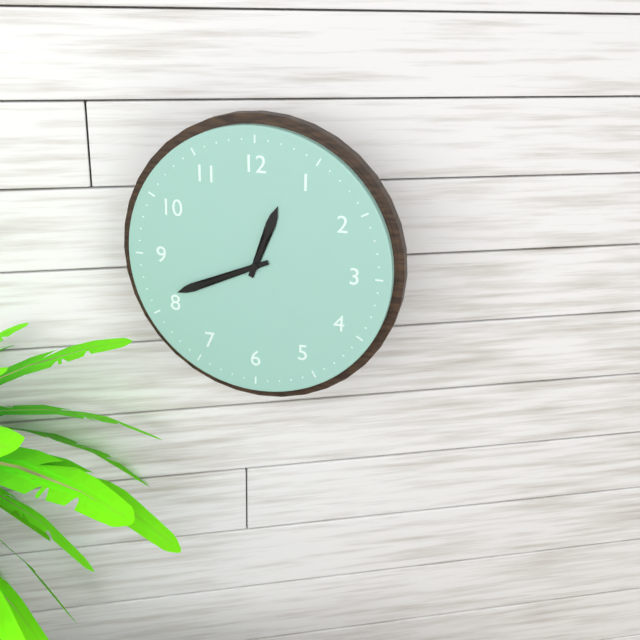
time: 12:41
